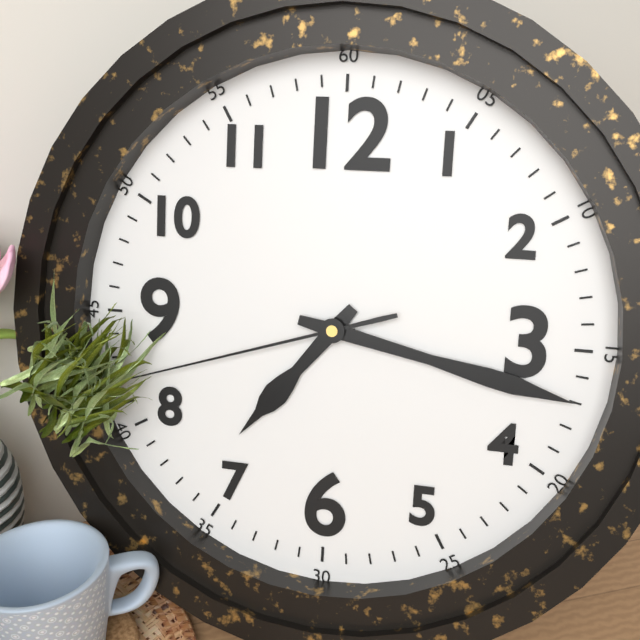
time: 7:17:42
